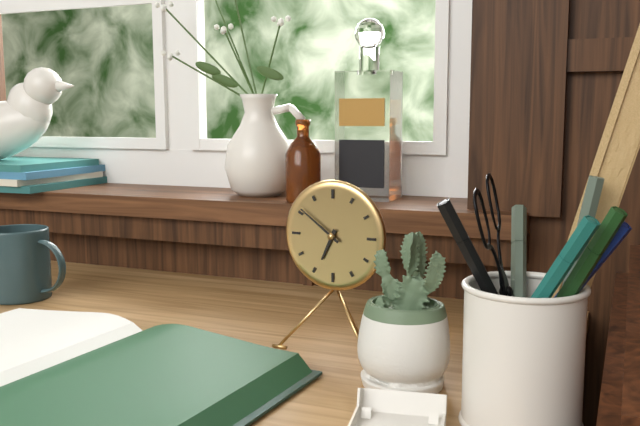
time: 6:51
